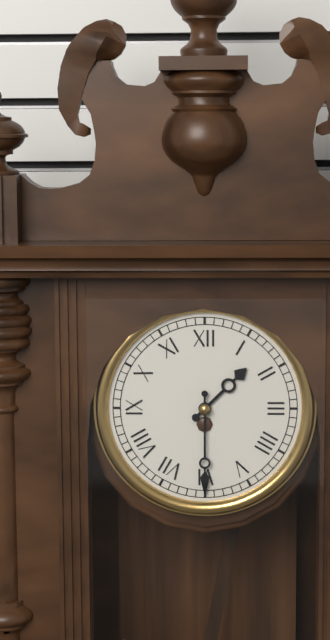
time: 1:30
